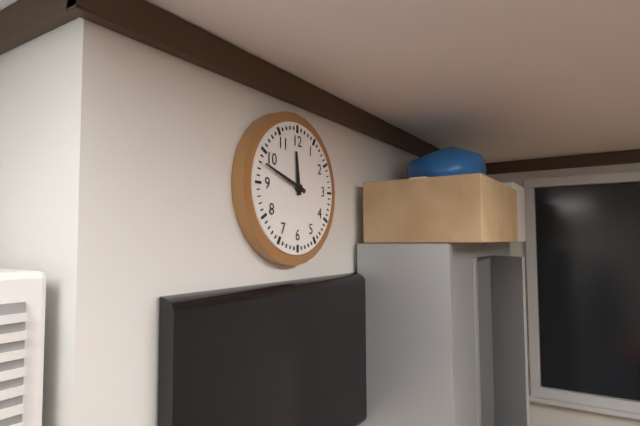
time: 11:48
